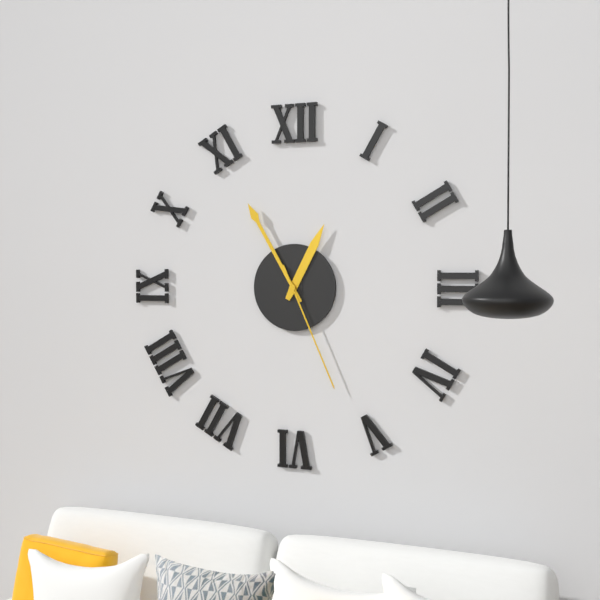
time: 12:55:26
